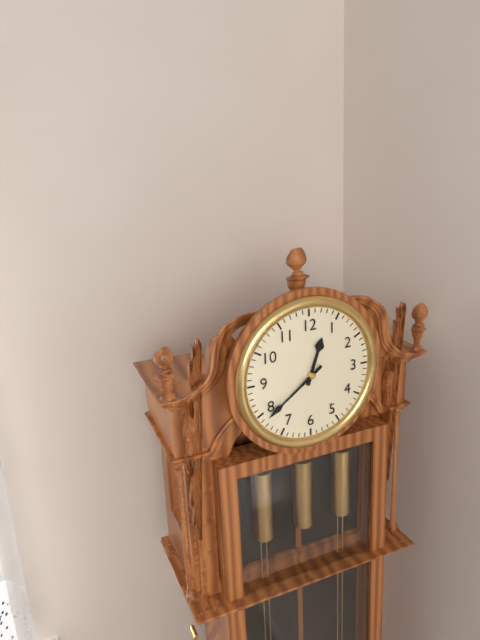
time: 12:39
